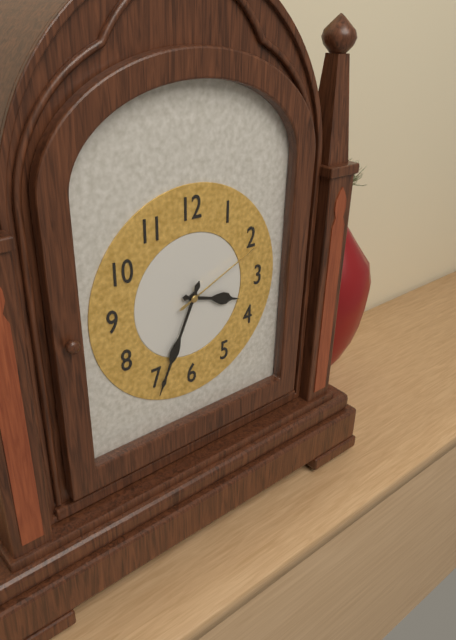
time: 3:34:11
